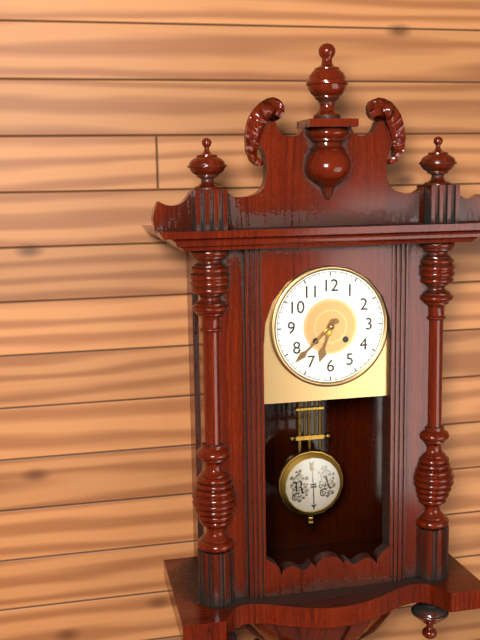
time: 6:38
